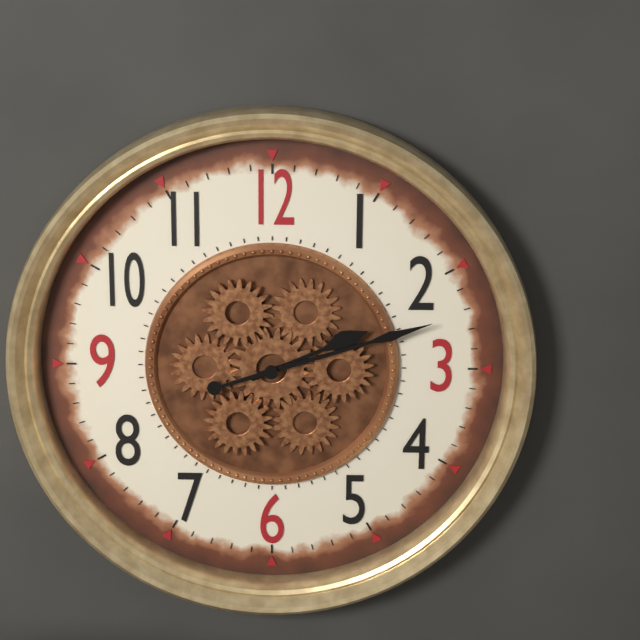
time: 2:12
